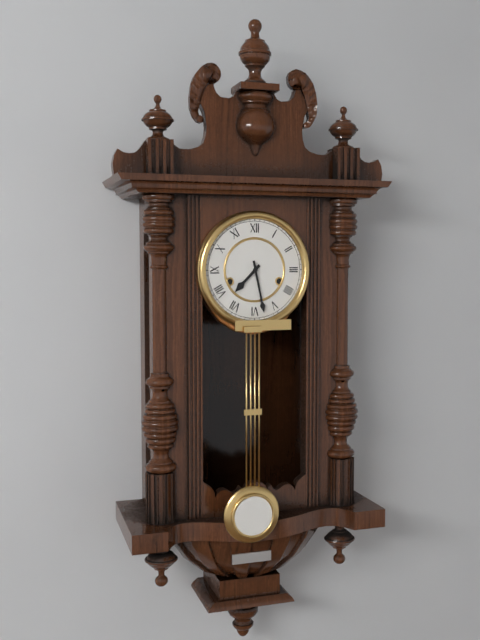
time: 7:28
